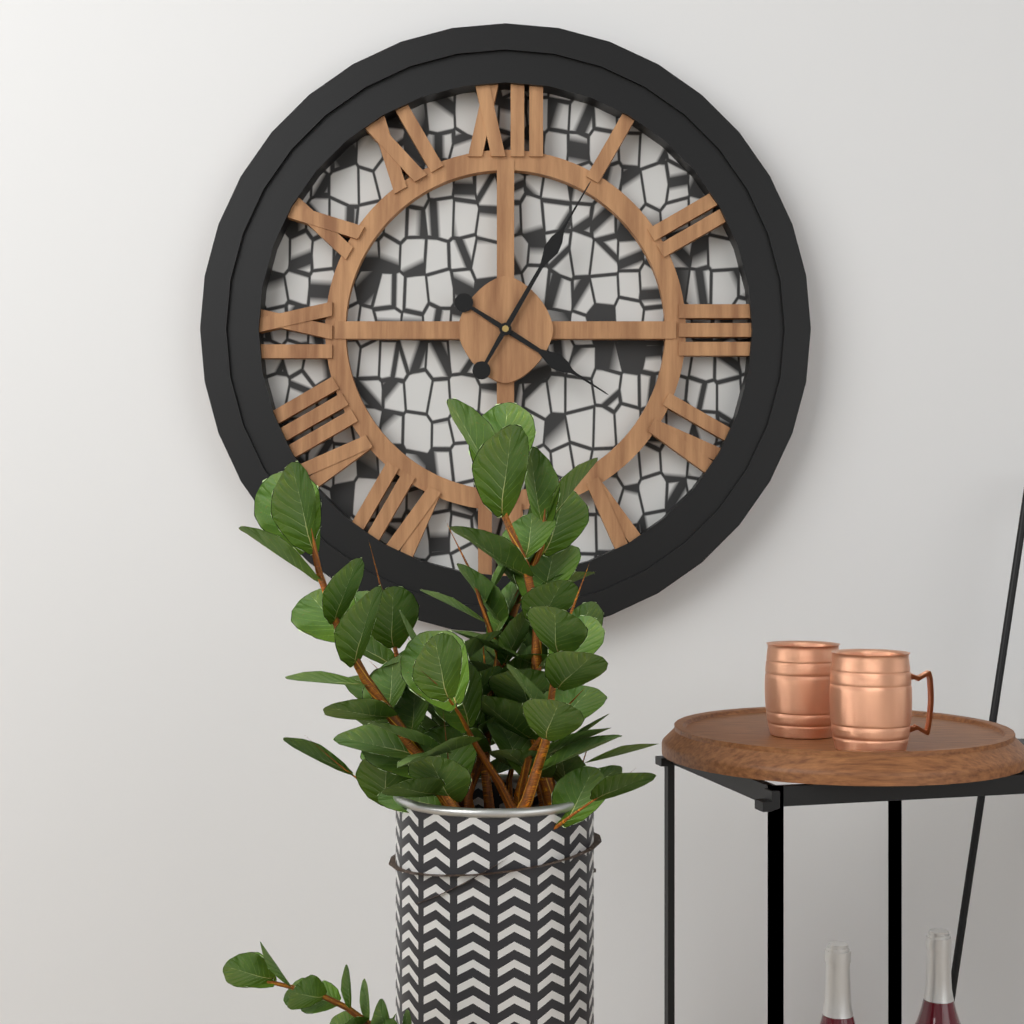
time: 4:05
